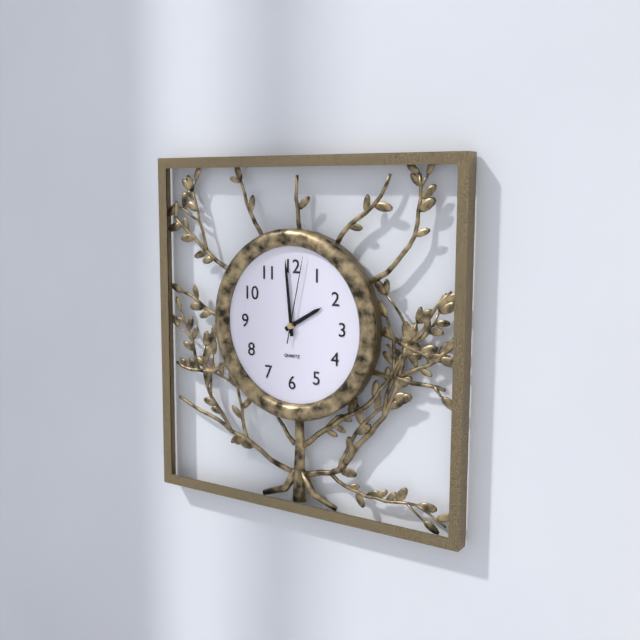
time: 1:59:02
